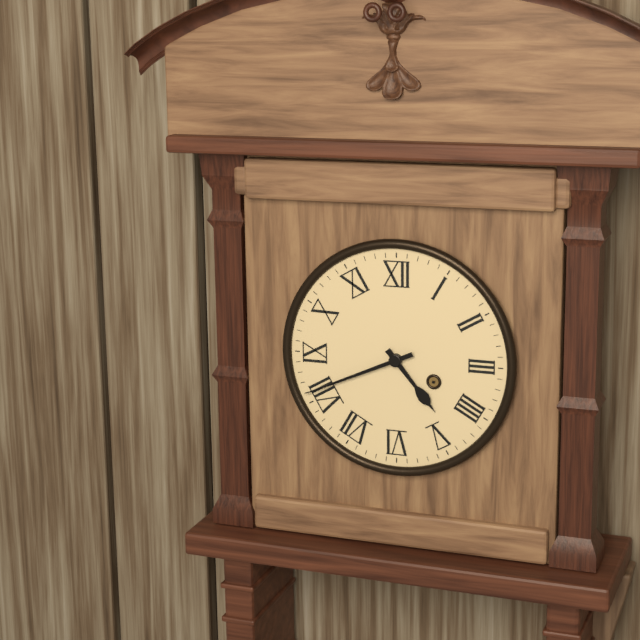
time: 4:41
